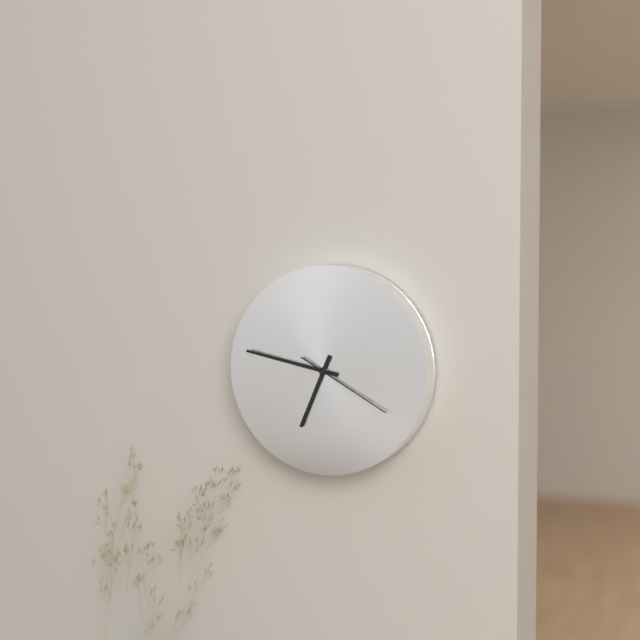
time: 6:47:20
